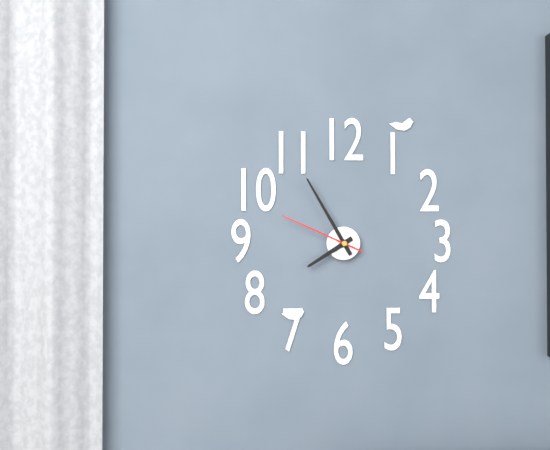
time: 7:55:49
